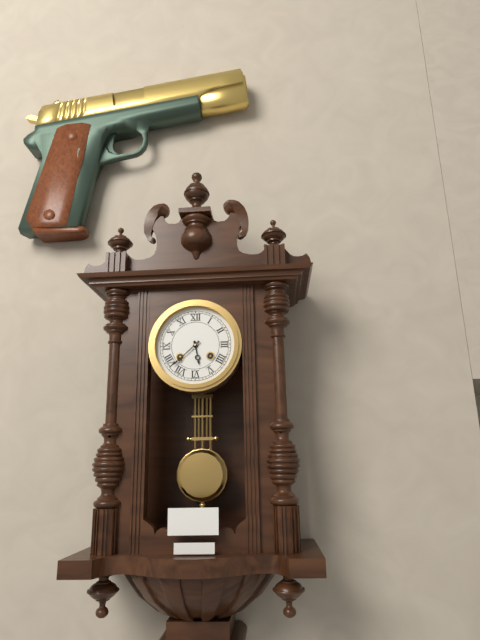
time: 5:38
